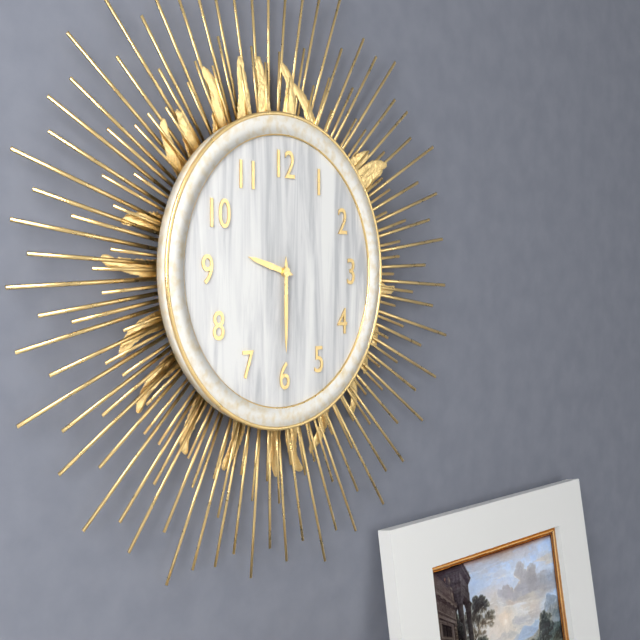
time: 9:30
